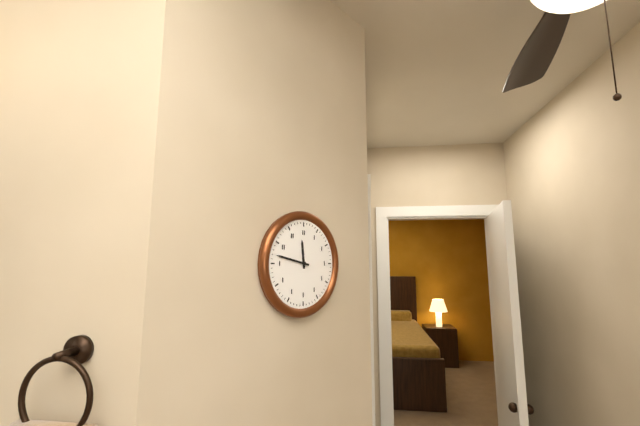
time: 11:47
